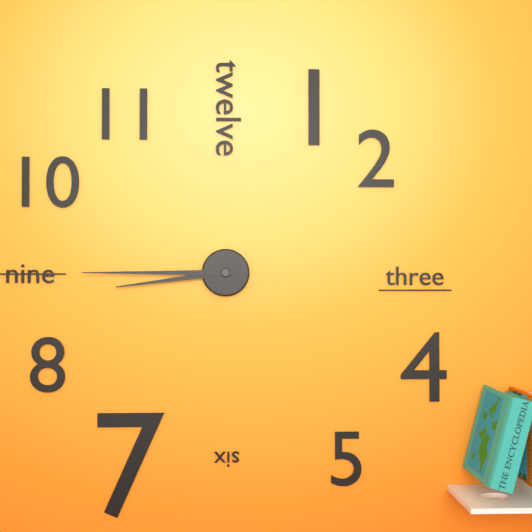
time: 8:45
